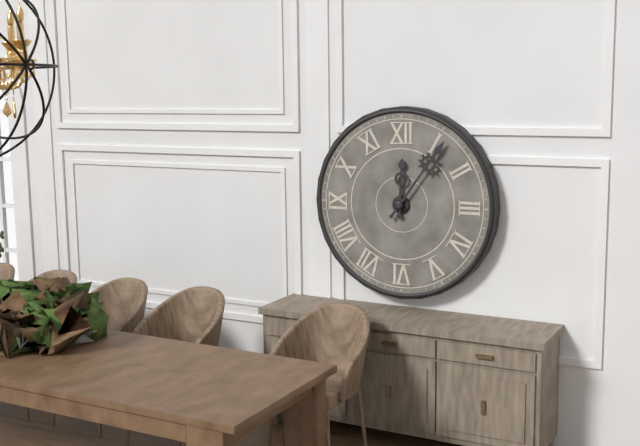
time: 12:06
